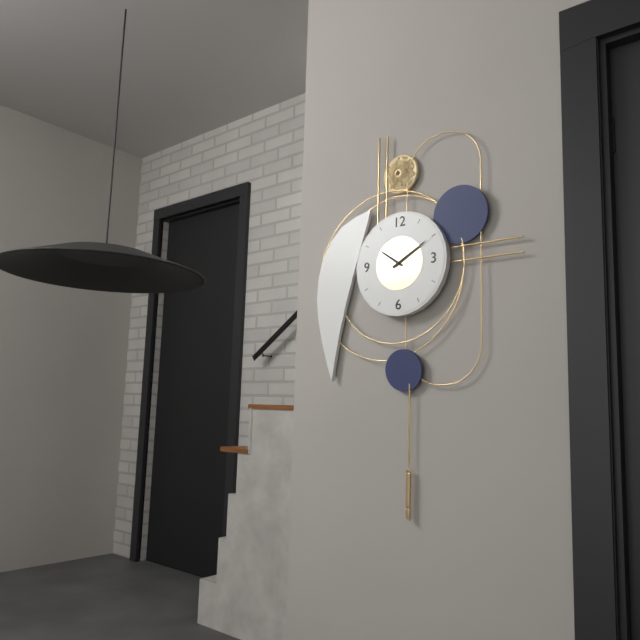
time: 10:10
